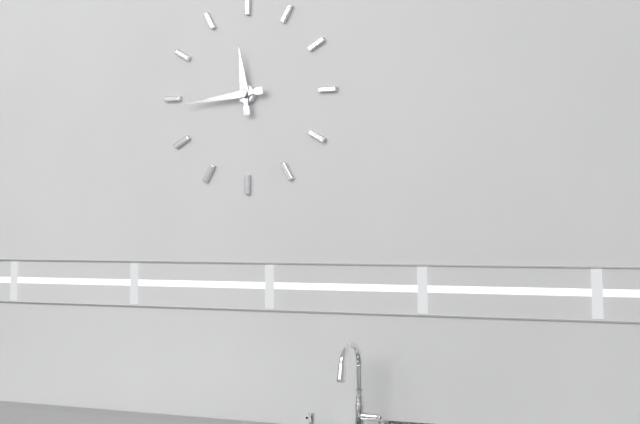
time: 11:44
